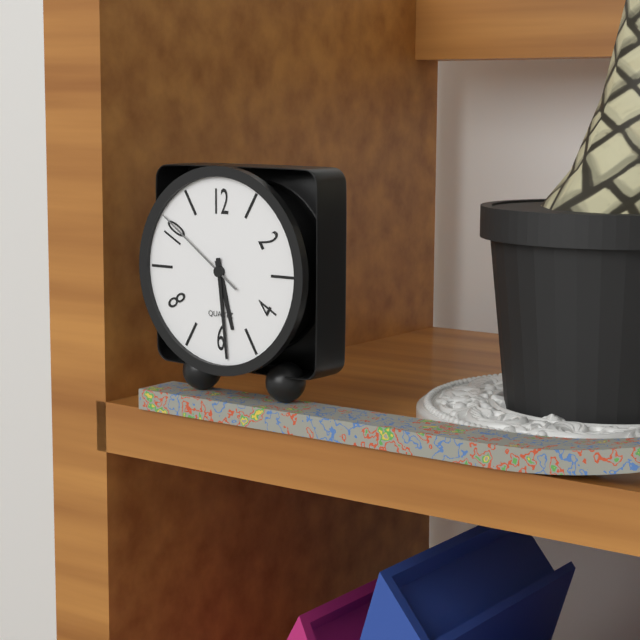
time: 5:29:51
